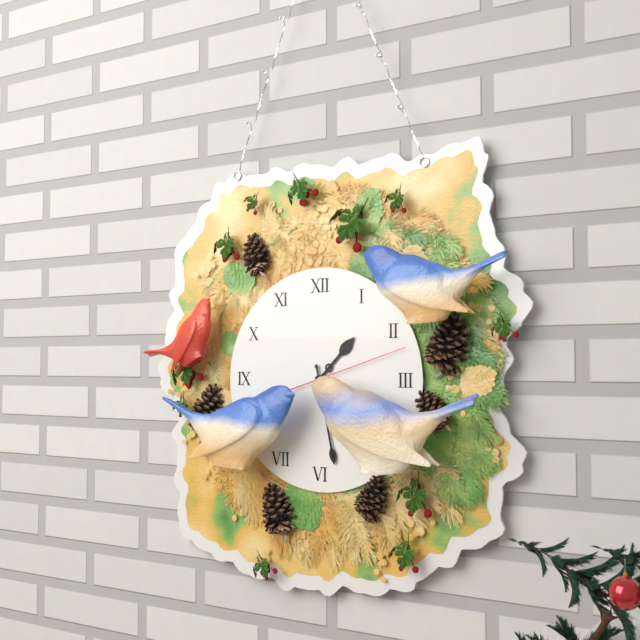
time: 1:28:12
